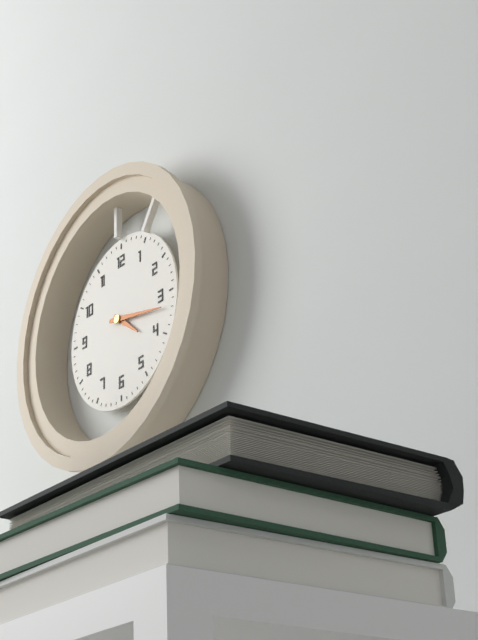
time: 4:17
